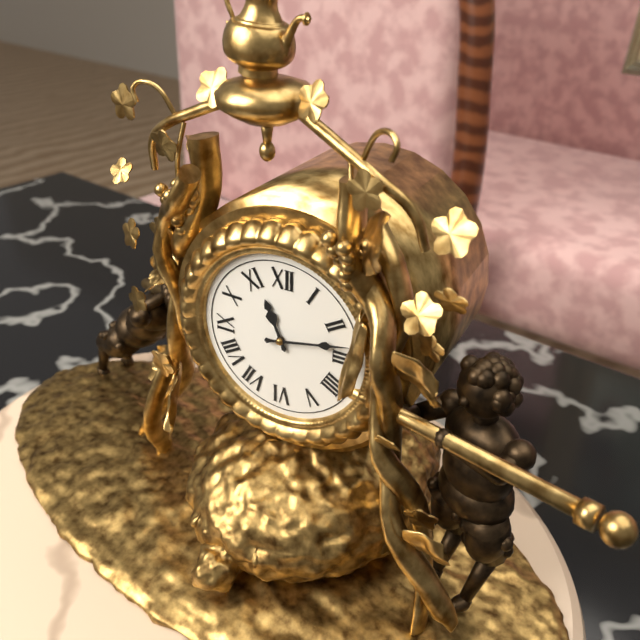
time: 11:13
